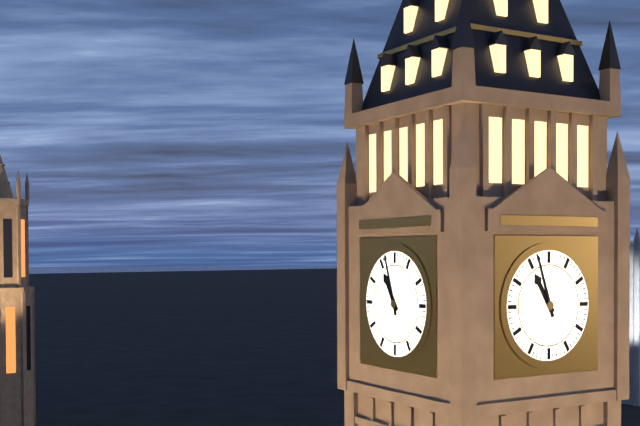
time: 10:57
